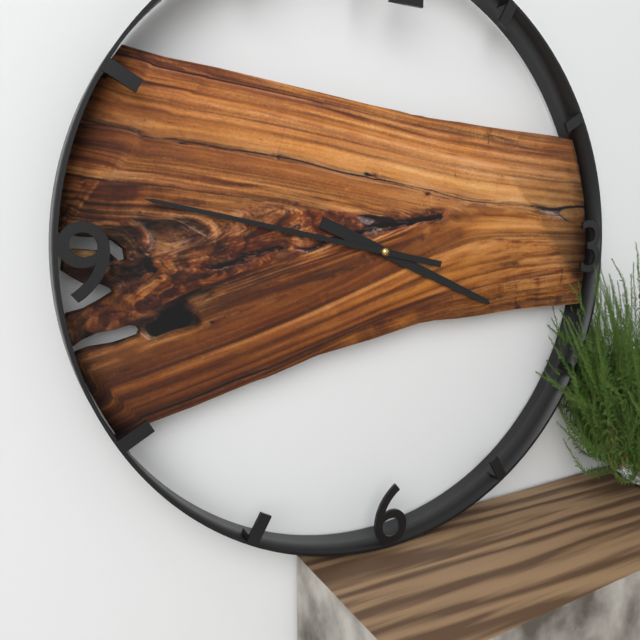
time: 3:47
